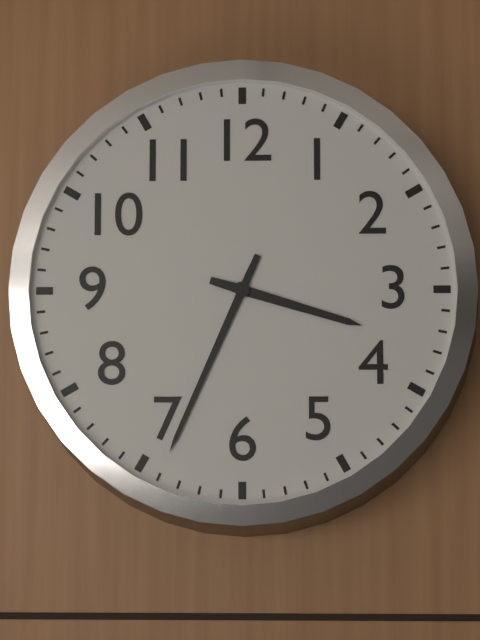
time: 3:34
